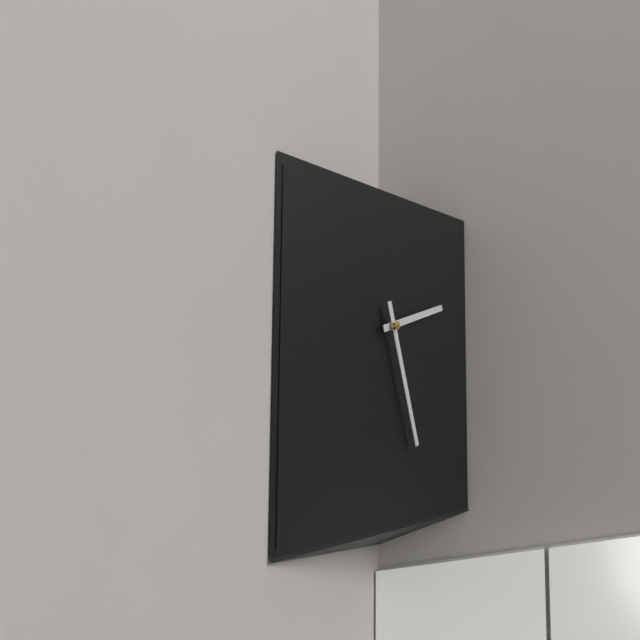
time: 2:27
